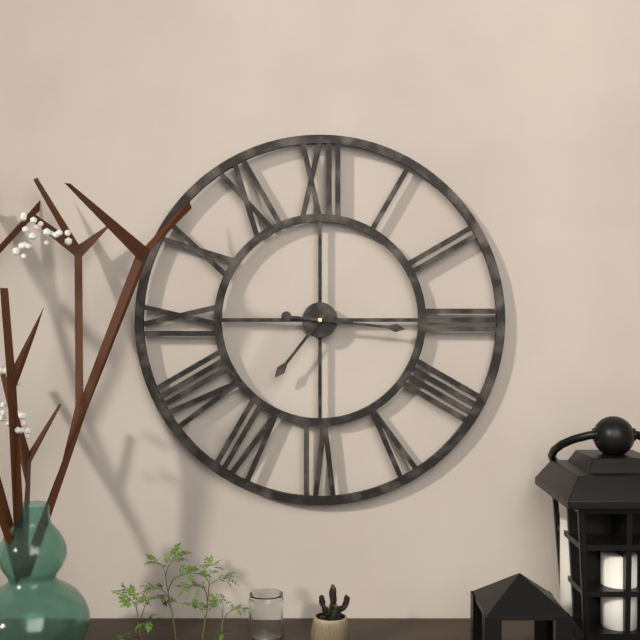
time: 7:16
